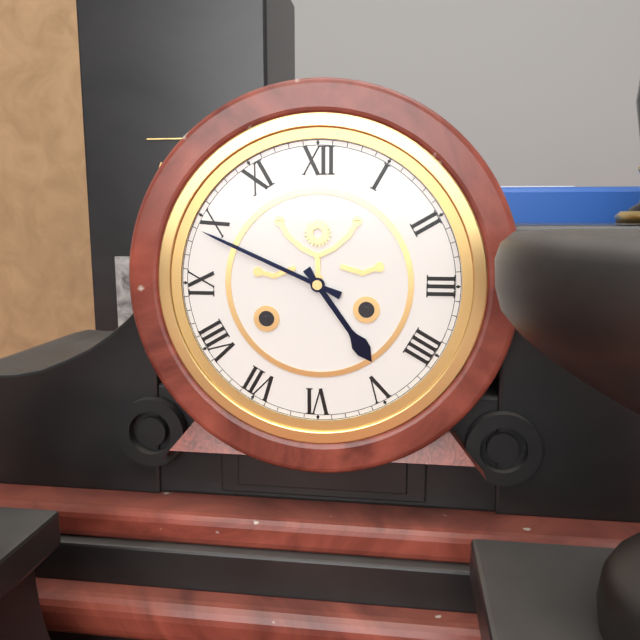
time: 4:49
